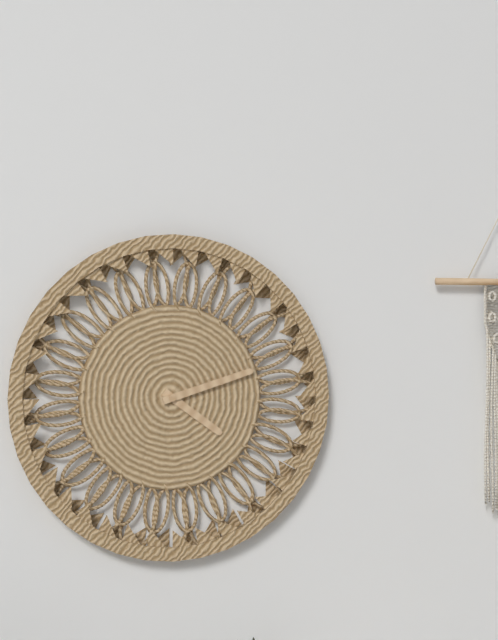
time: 4:12
